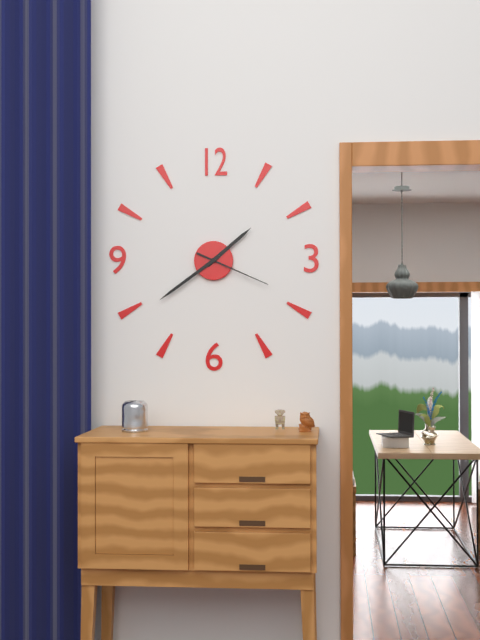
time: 1:39:19
